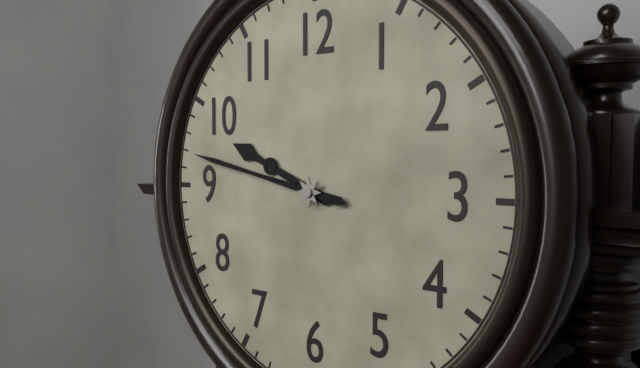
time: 9:47
